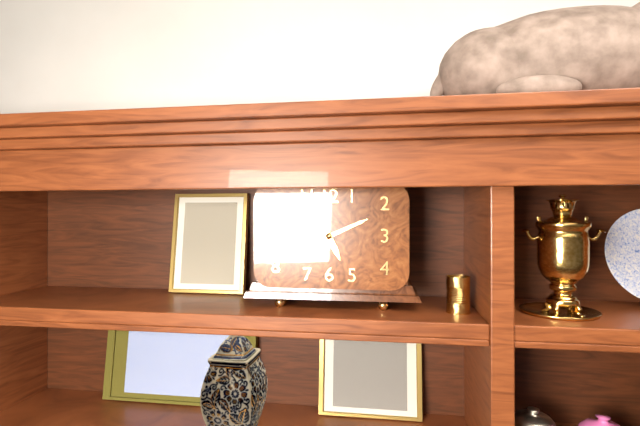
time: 5:11
